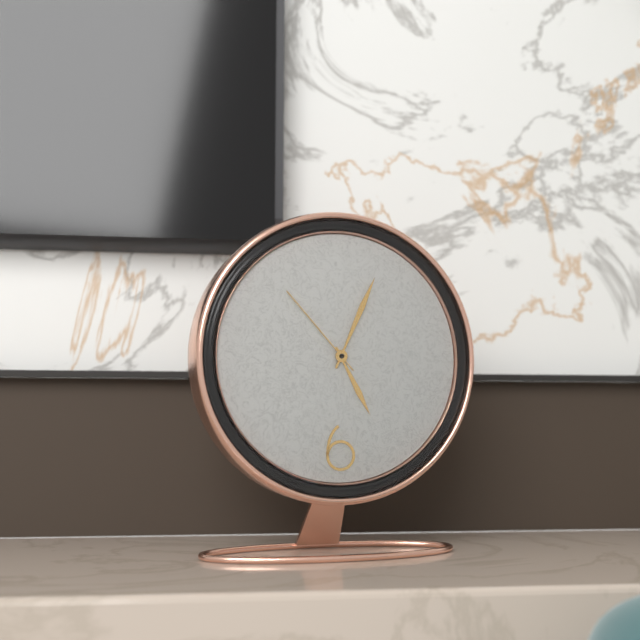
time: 5:04:53
